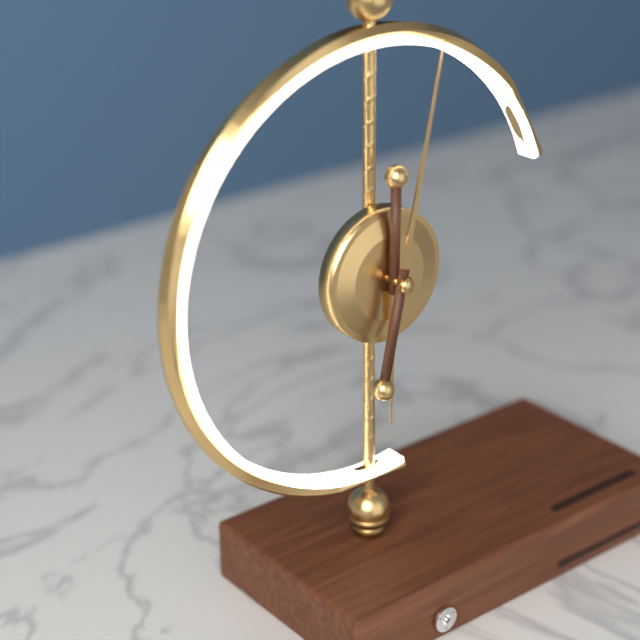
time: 6:02
